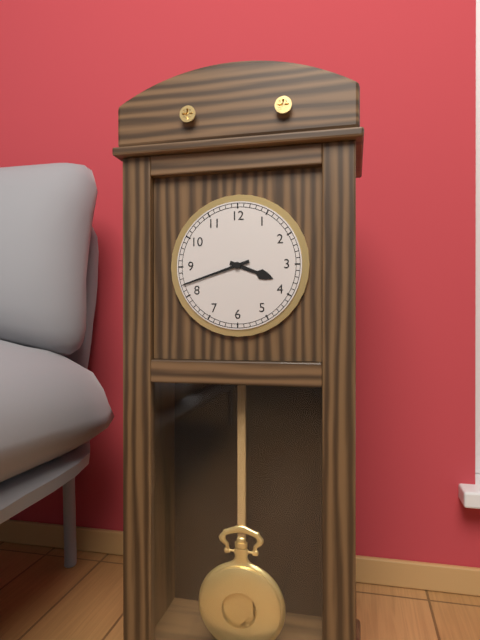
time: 3:42
